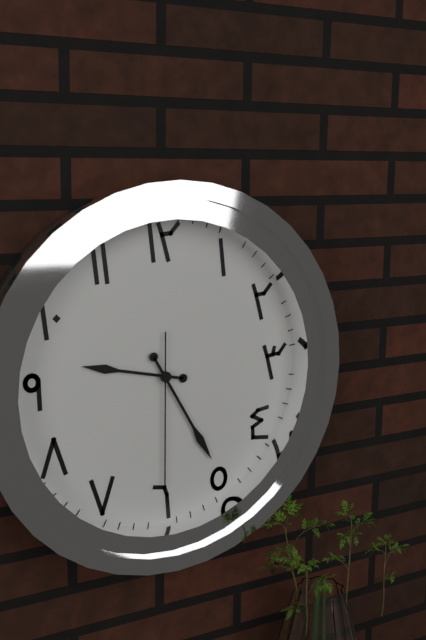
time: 9:25:30
